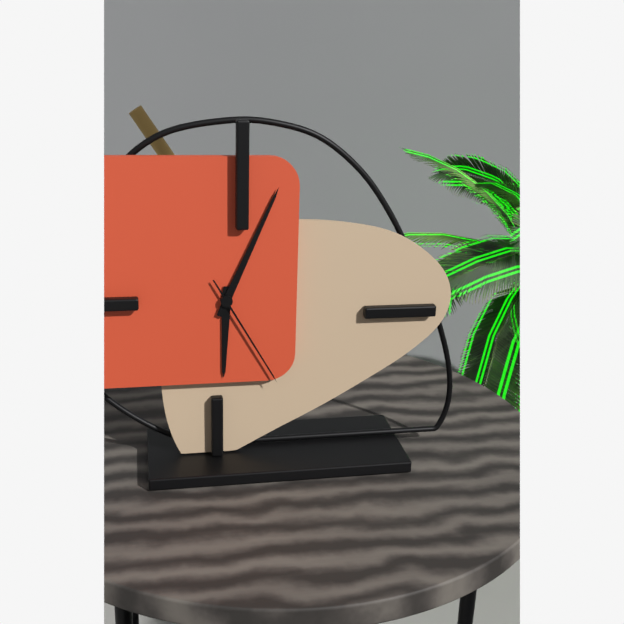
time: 6:04:25
